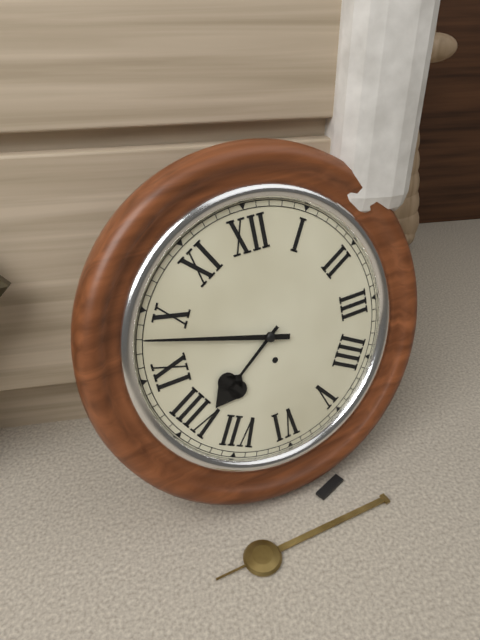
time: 7:48
